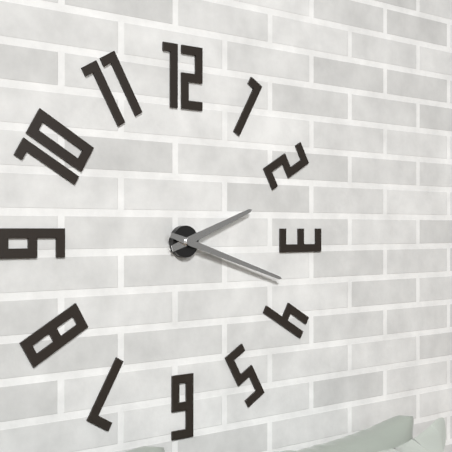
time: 2:18
